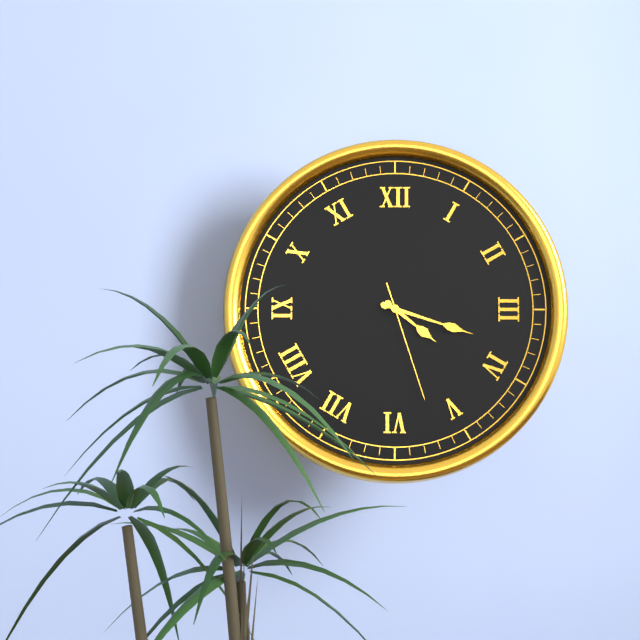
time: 4:18:27
